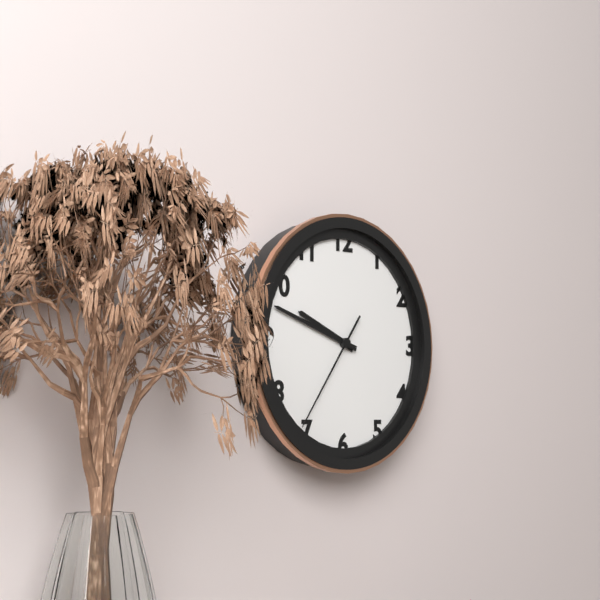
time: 9:48:36
